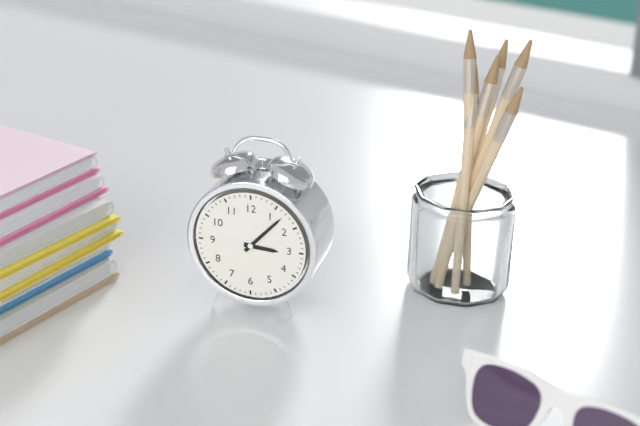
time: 3:07
